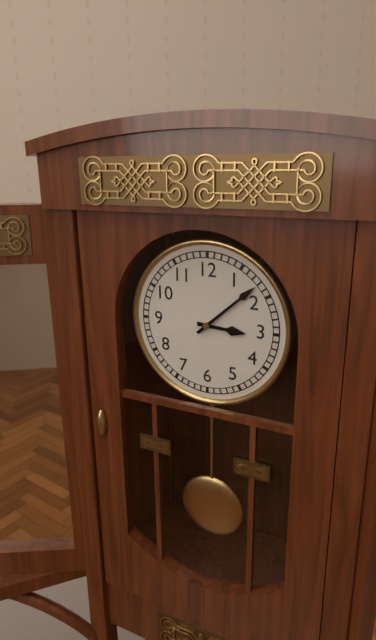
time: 3:08
